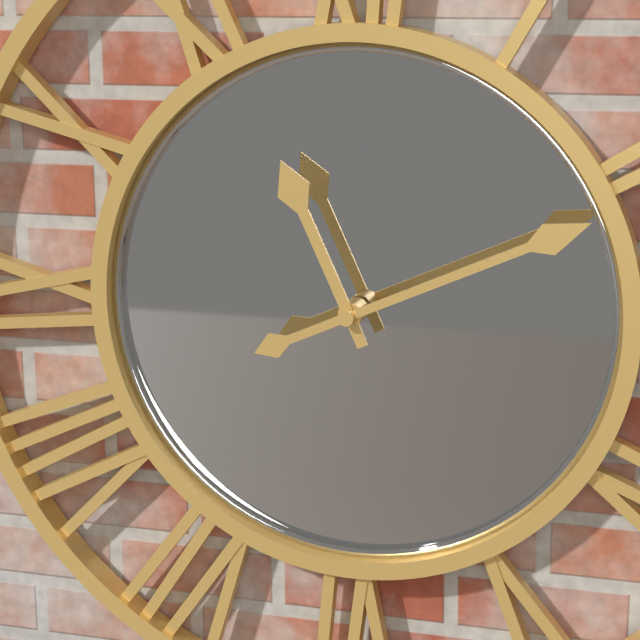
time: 11:11
